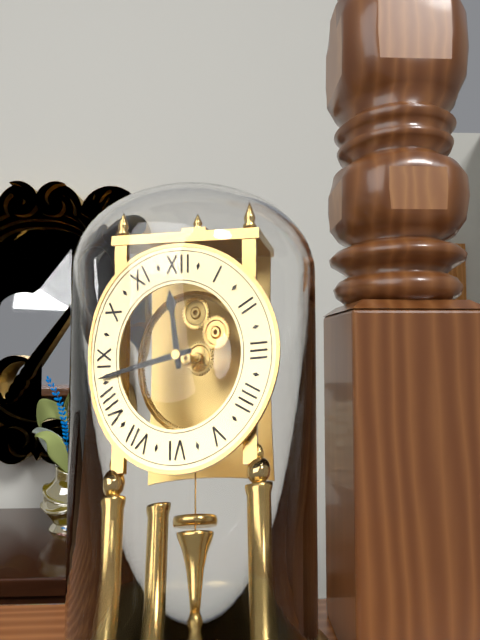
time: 11:43
